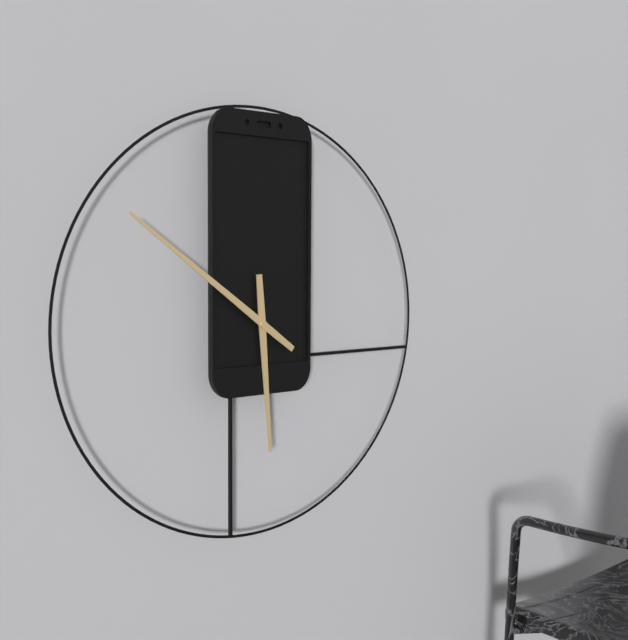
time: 5:51
